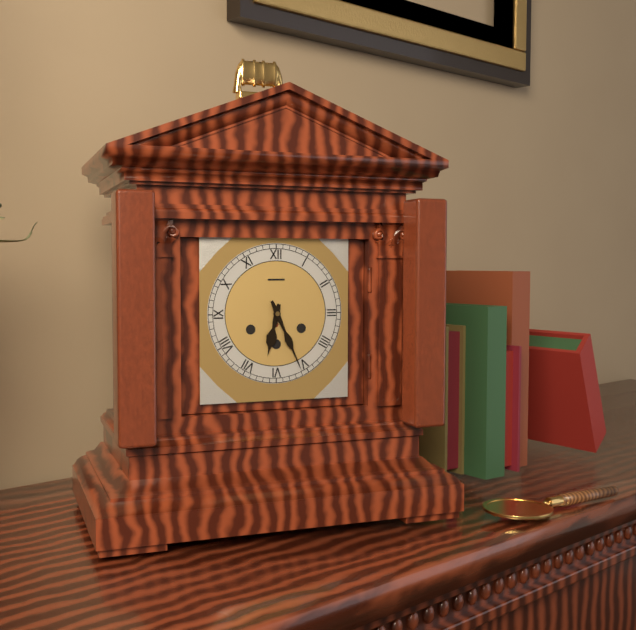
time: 6:26
